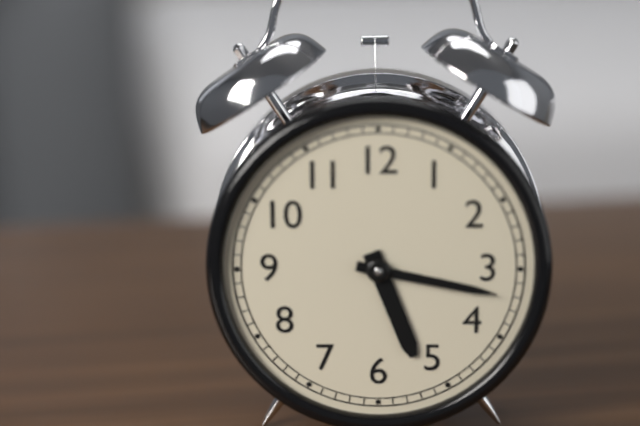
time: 5:17
